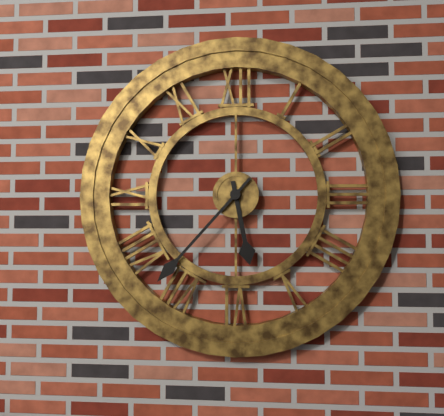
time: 5:37
